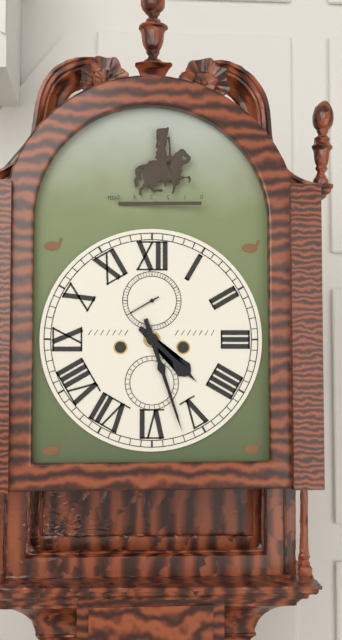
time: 4:27
